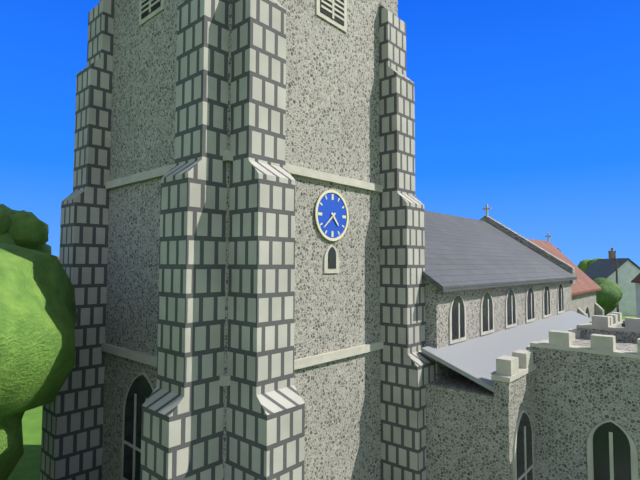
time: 4:38
